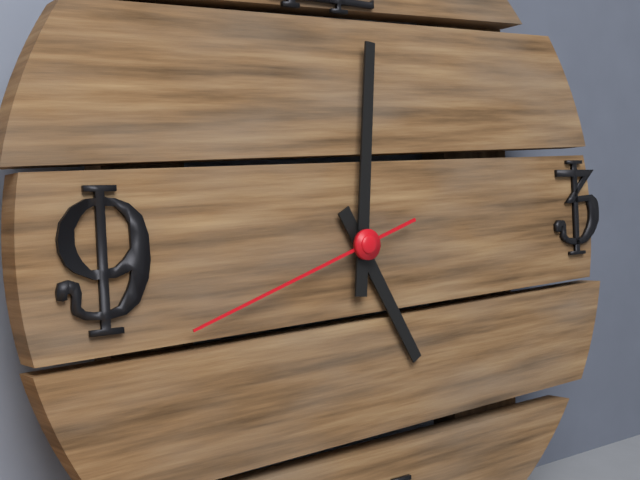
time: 5:01:42
